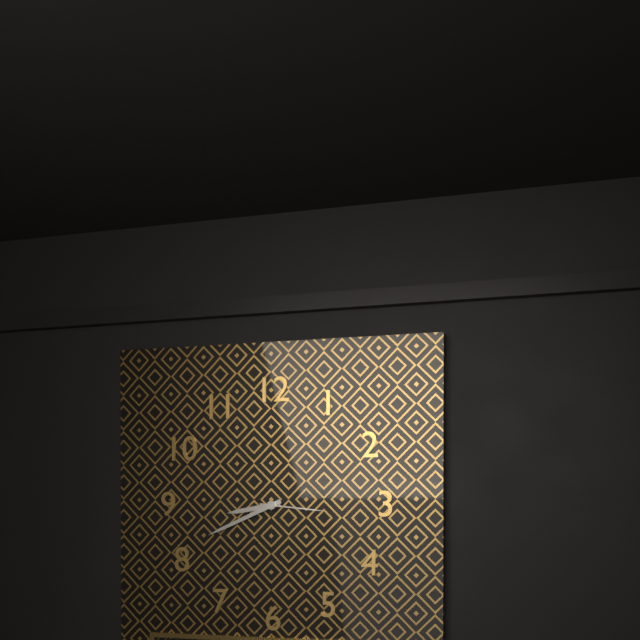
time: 8:41:16
